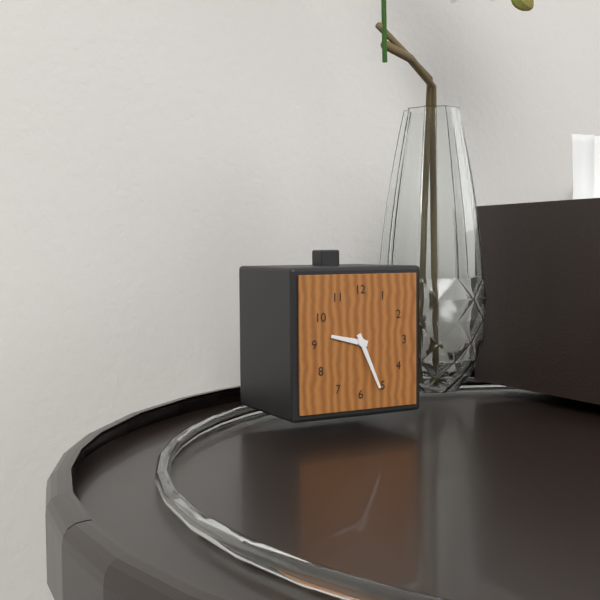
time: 9:26
